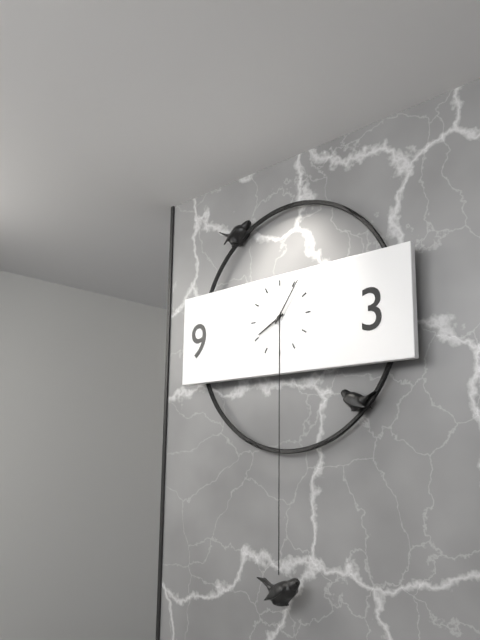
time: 8:06
